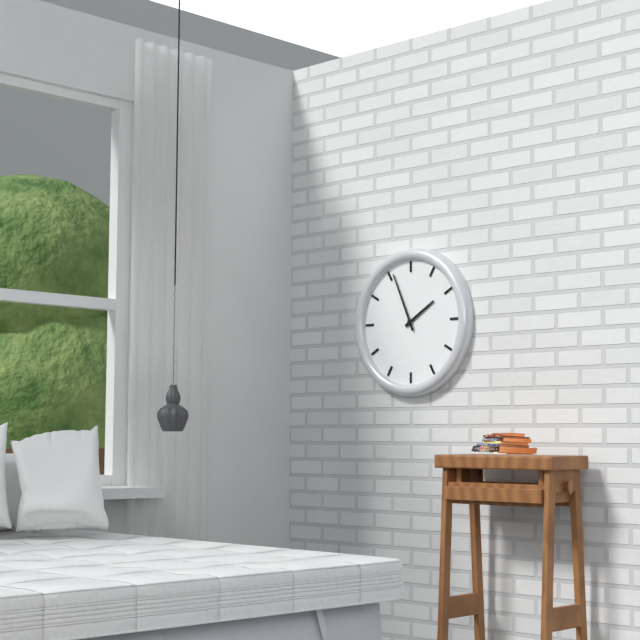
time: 1:56
